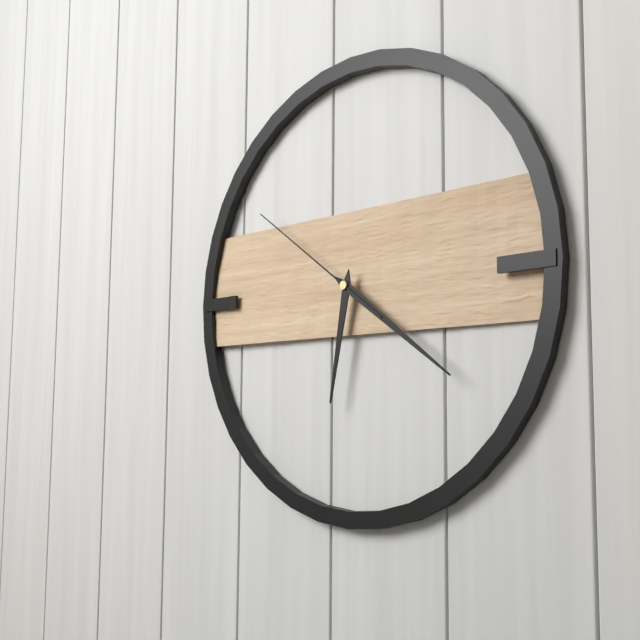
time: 6:21:51
